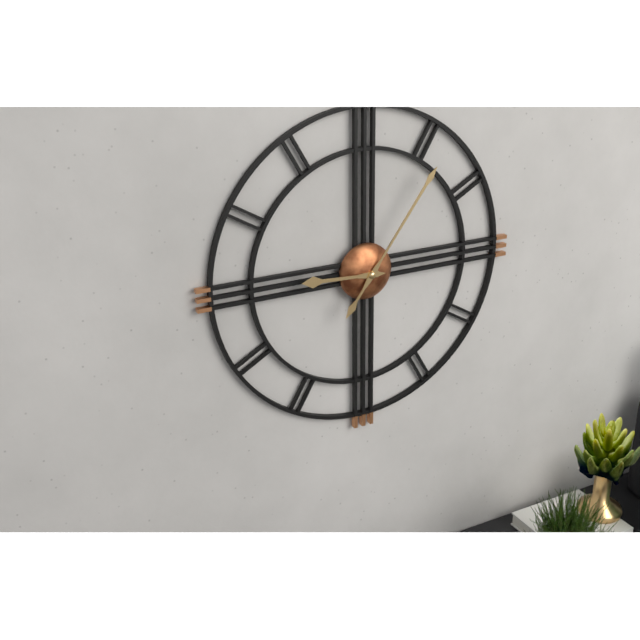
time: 9:06
